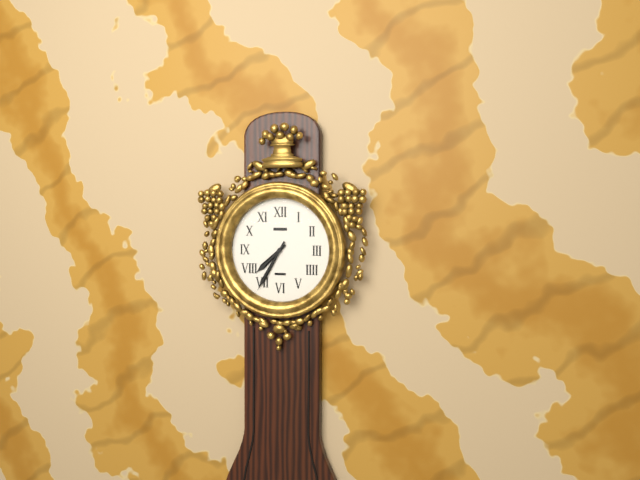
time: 7:35
